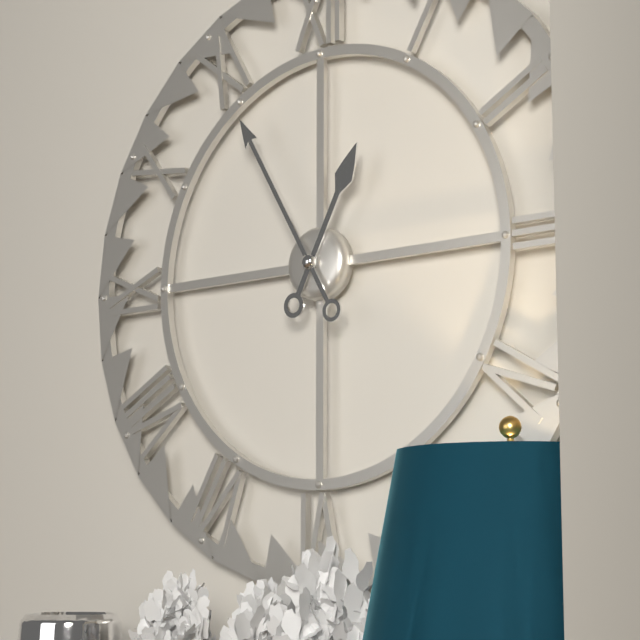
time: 12:55
